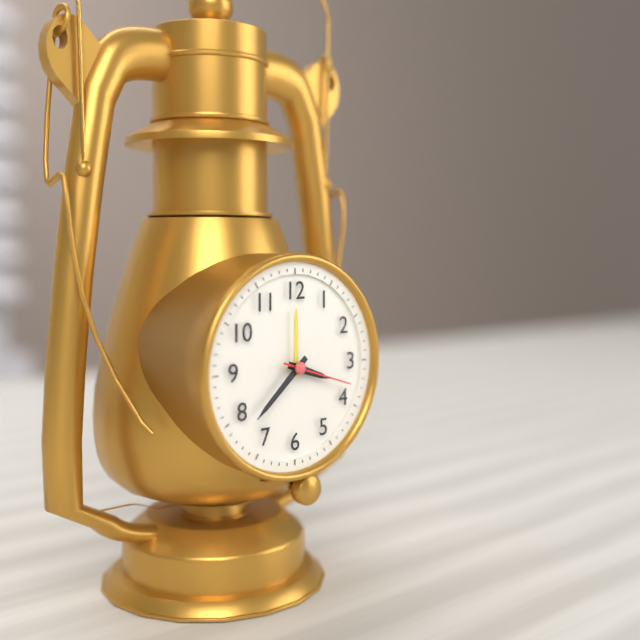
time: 3:38:18
